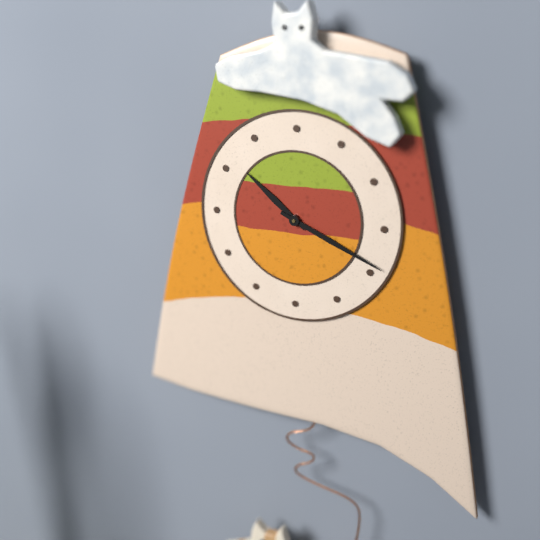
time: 10:19
